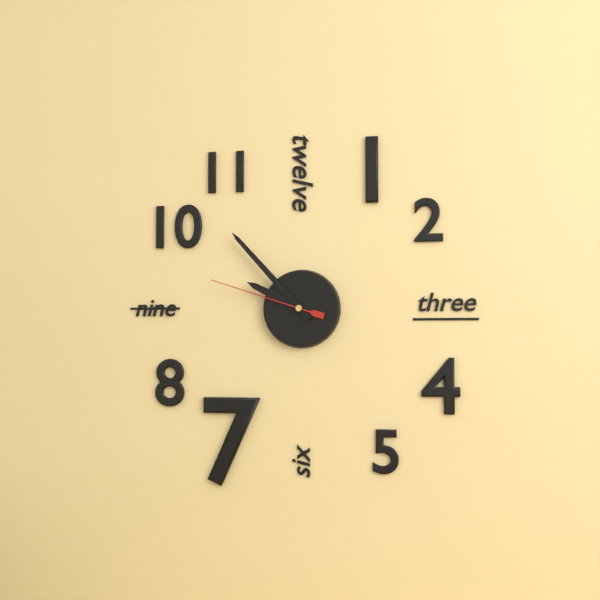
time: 9:53:48
